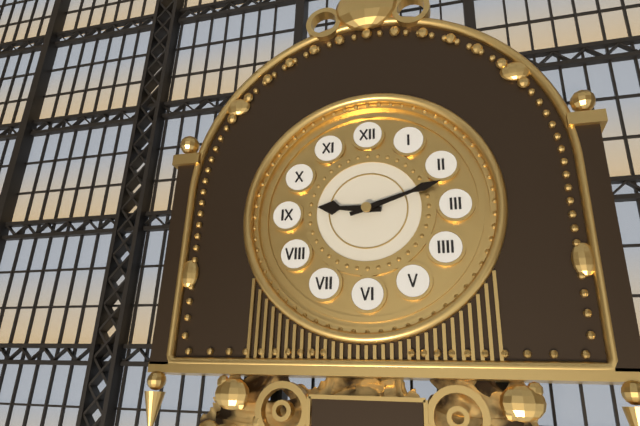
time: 9:12
